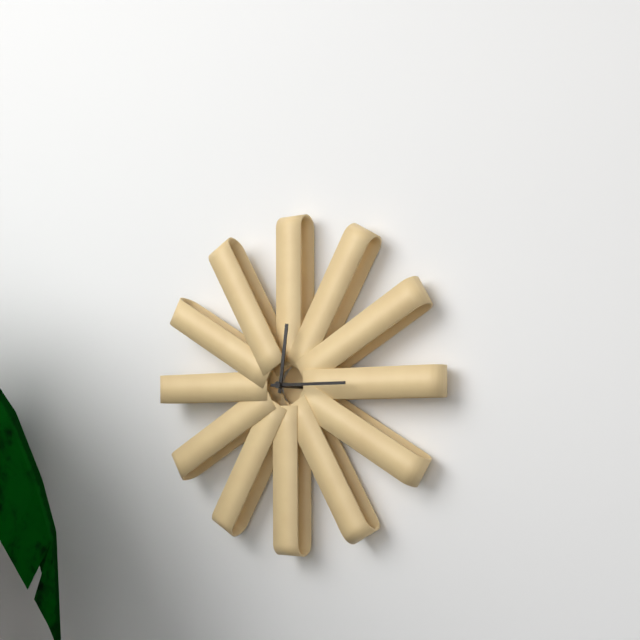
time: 12:15
